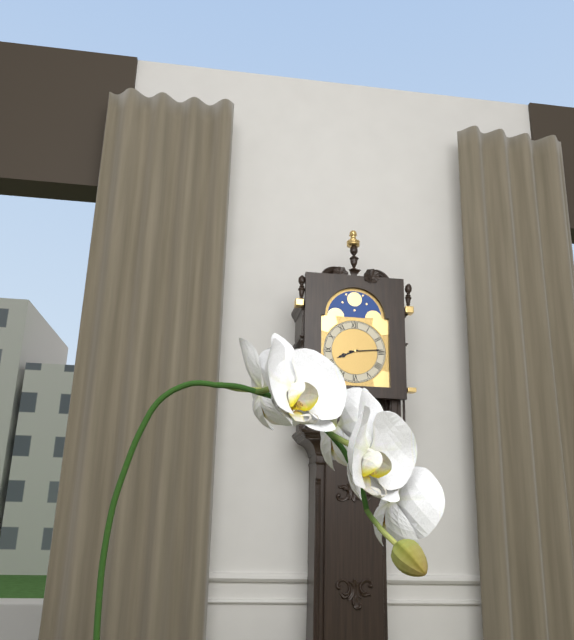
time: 8:14
